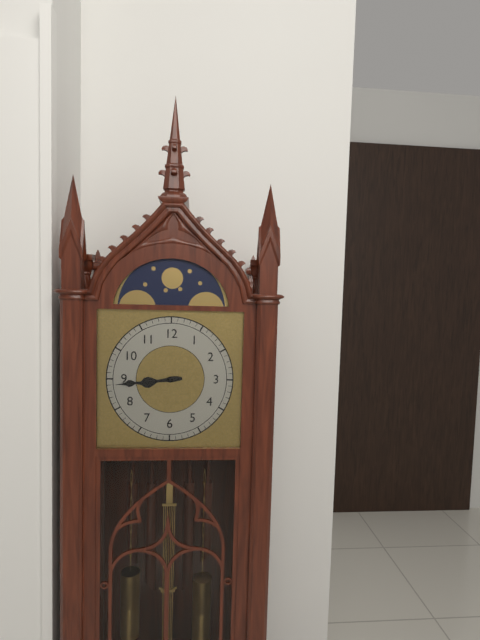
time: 8:44
